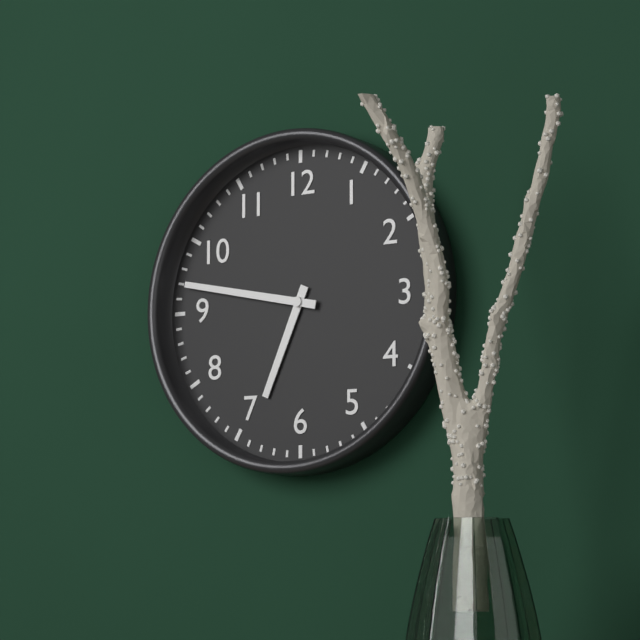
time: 6:47
